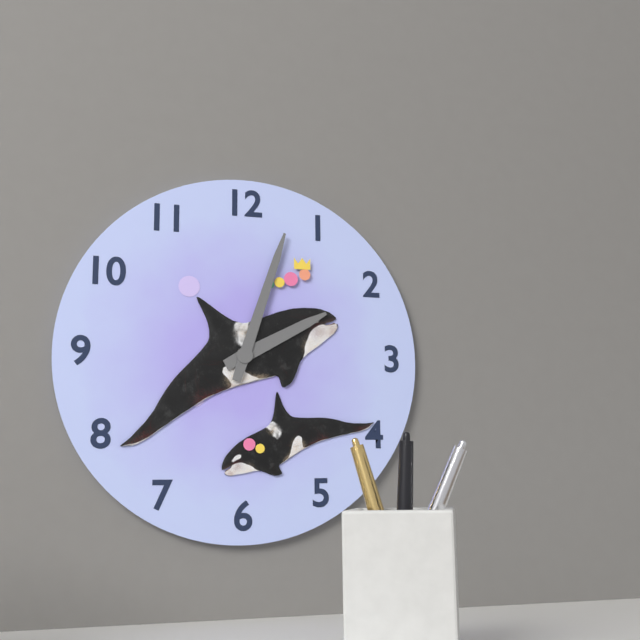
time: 2:03
